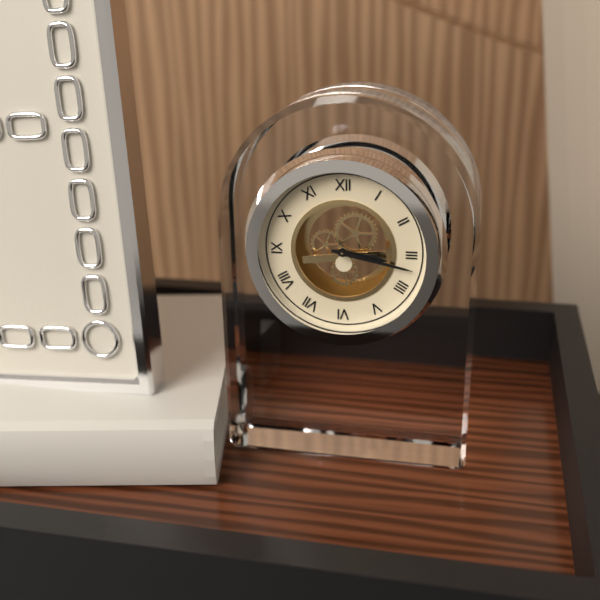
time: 3:17
